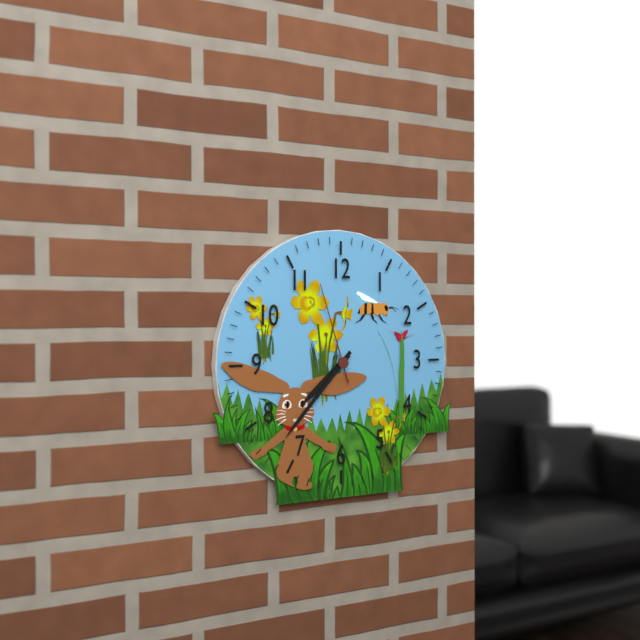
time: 7:37:57
